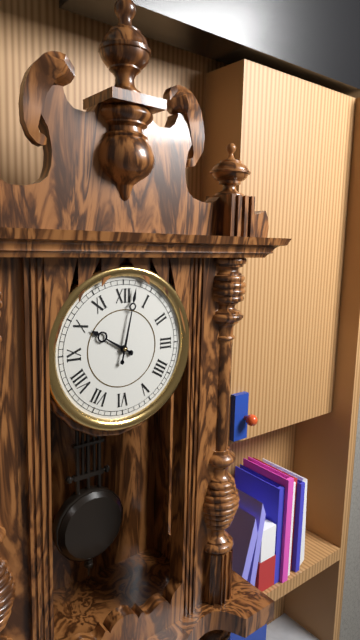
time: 10:02
